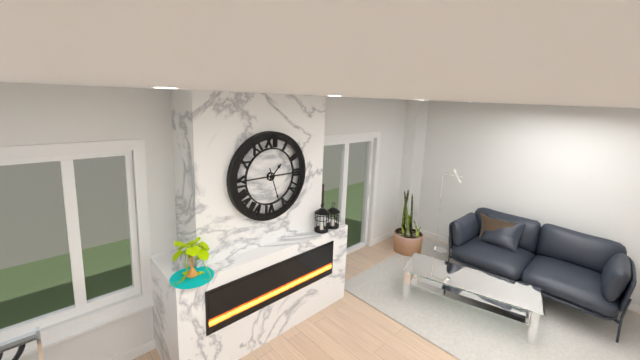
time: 1:27
